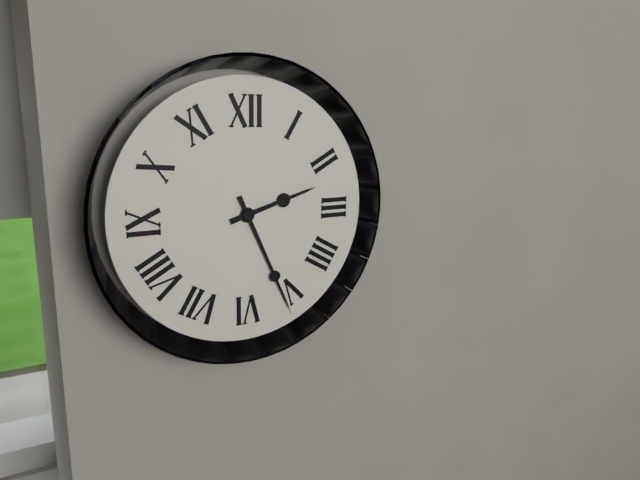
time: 2:26
